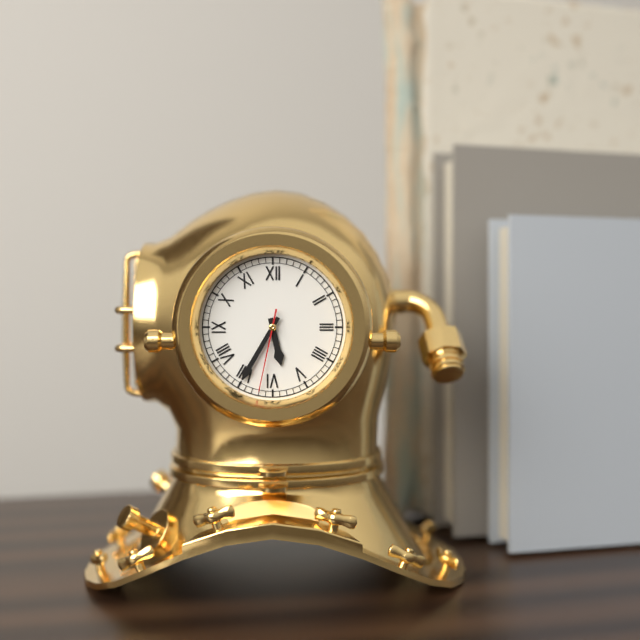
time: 5:35:32
